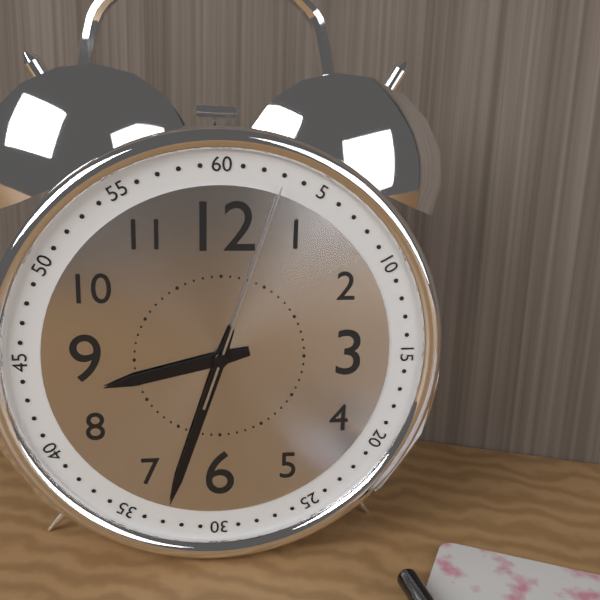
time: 8:33:03
